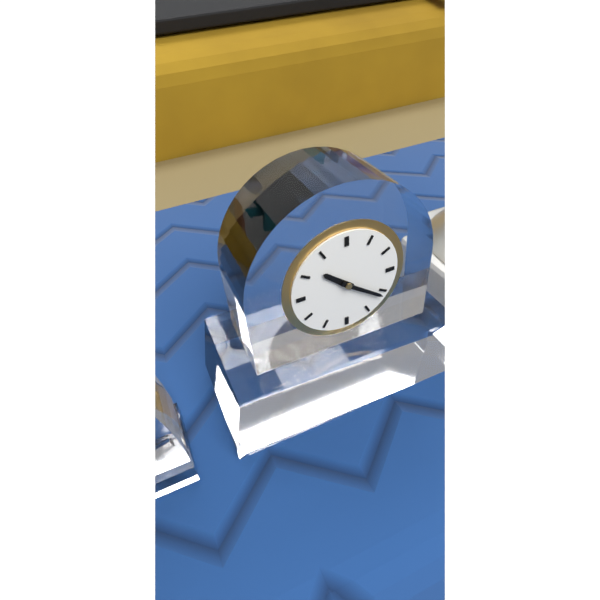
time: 10:21
